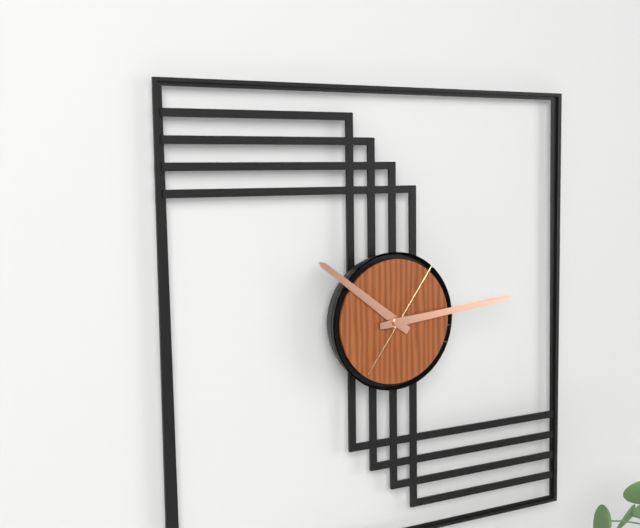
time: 10:14:06
